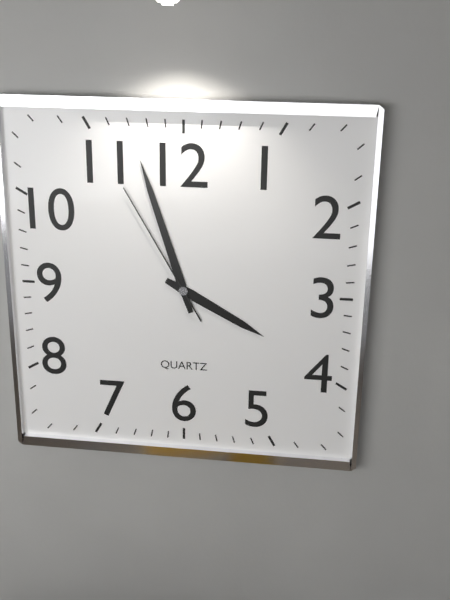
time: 3:57:55
